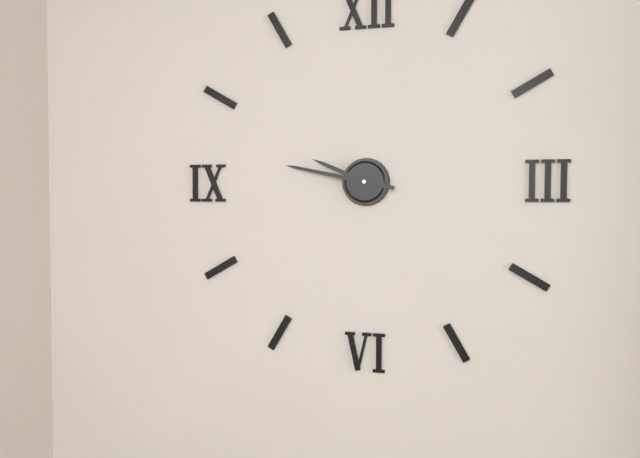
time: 9:47
